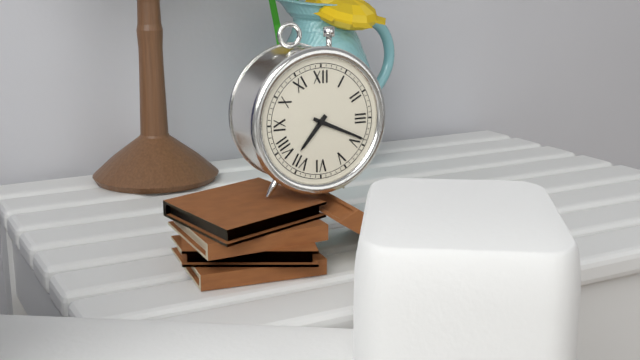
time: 7:19
